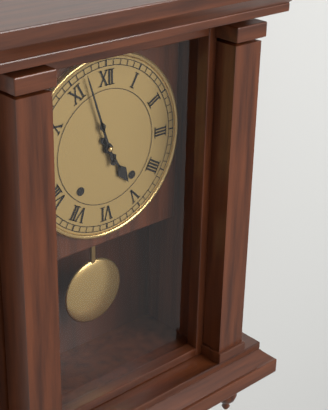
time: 4:57
